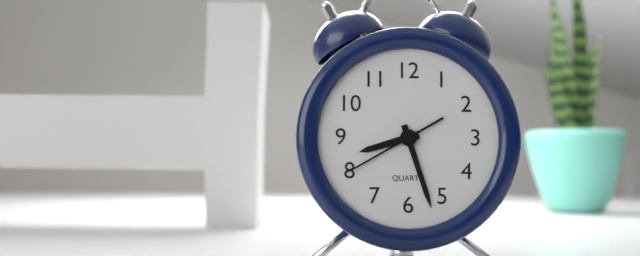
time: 8:27:40
